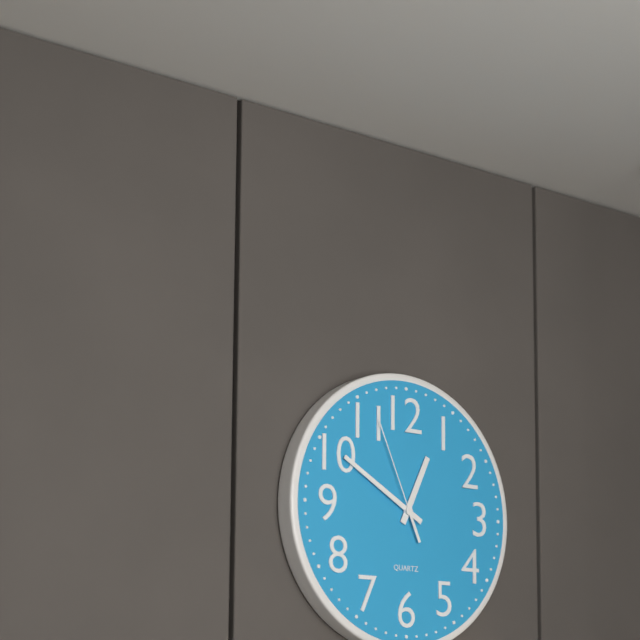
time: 12:50:56
